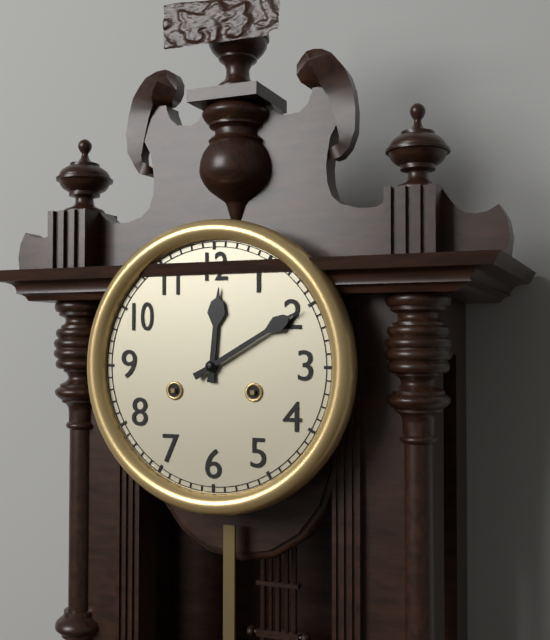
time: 12:10
